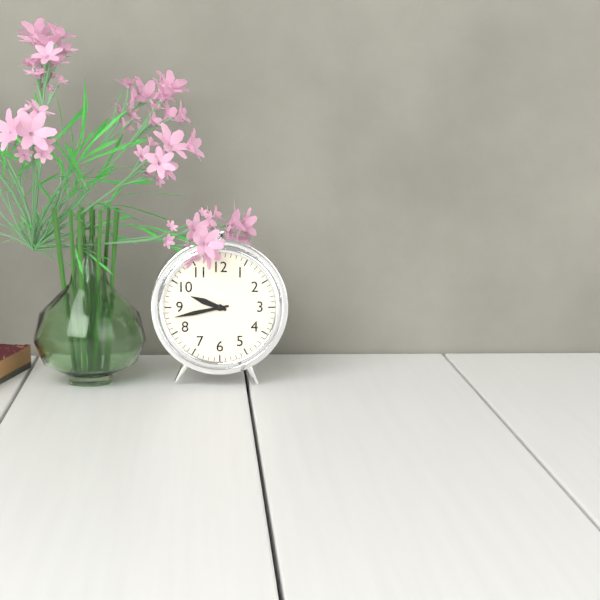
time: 9:43
